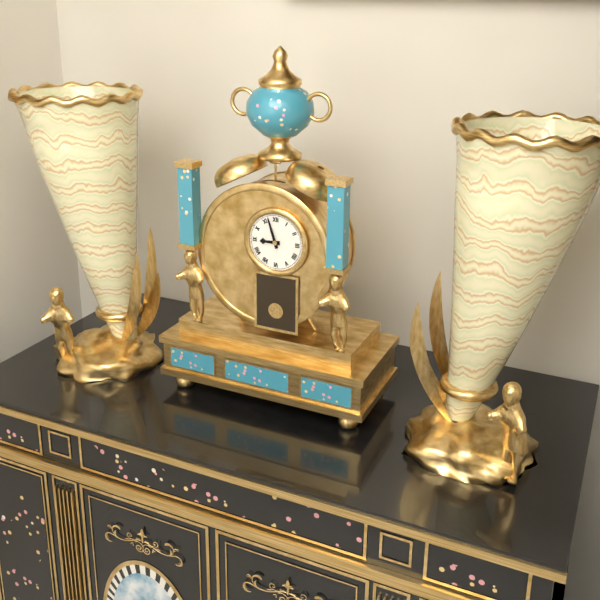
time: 8:57
